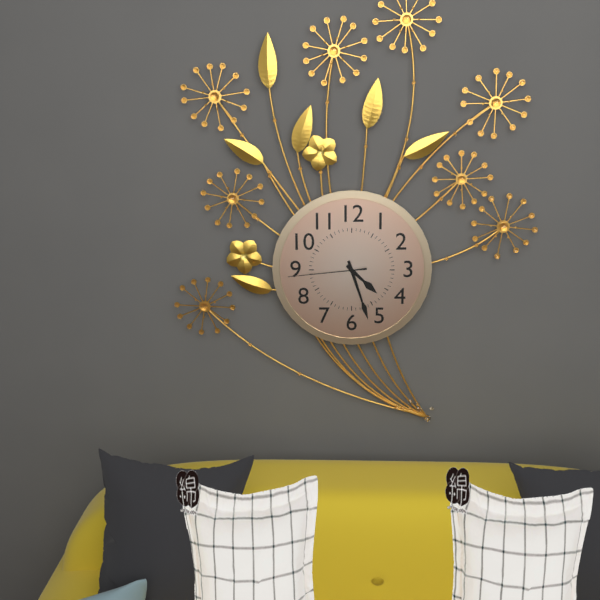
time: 4:27:44
